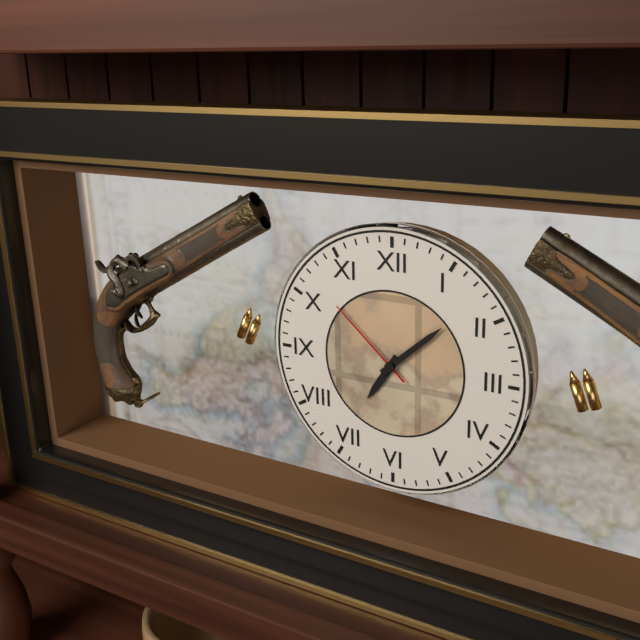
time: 7:08:52
